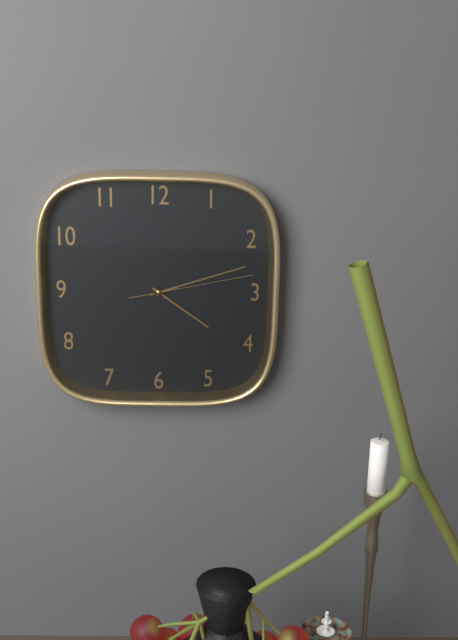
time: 4:12:13
